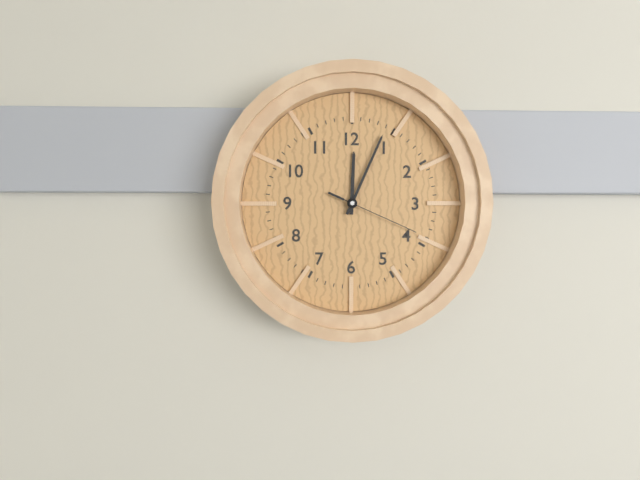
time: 12:04:19
